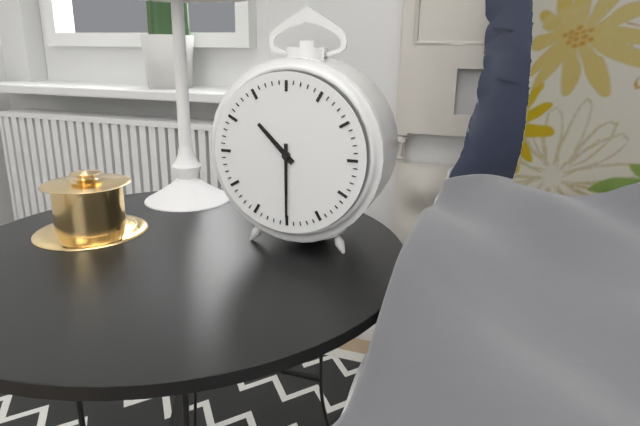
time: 10:30
